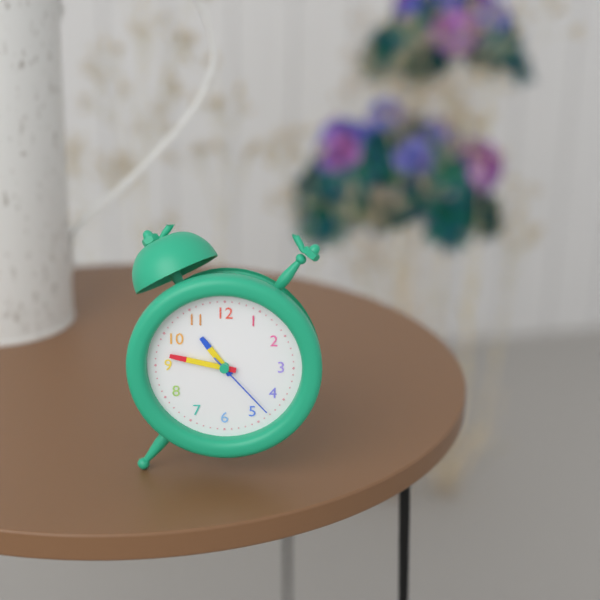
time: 10:47:23
